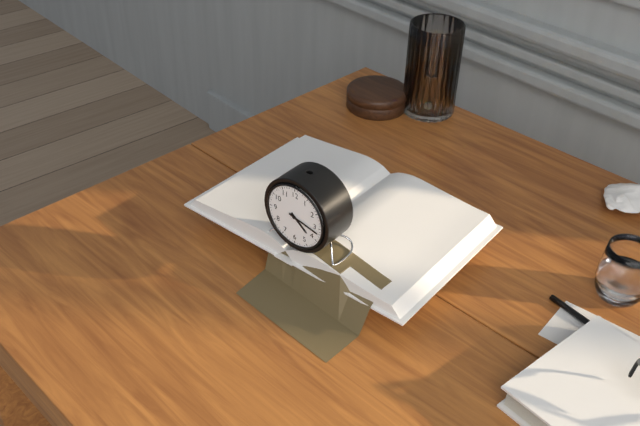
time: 4:17
